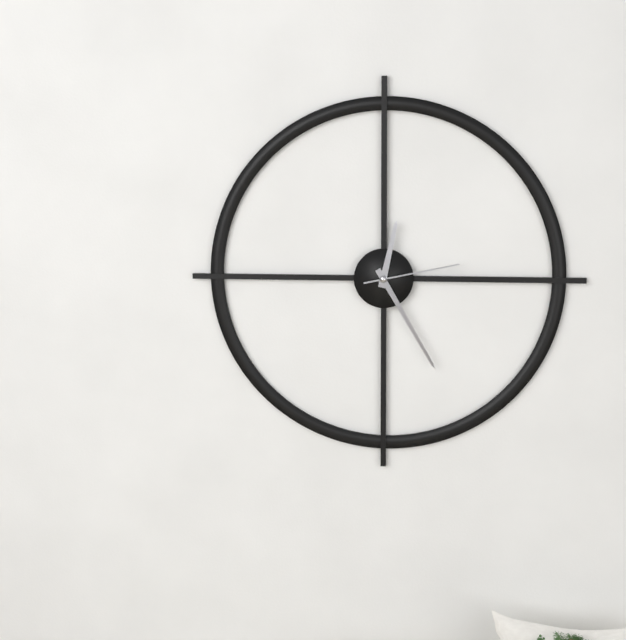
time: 12:25:13
